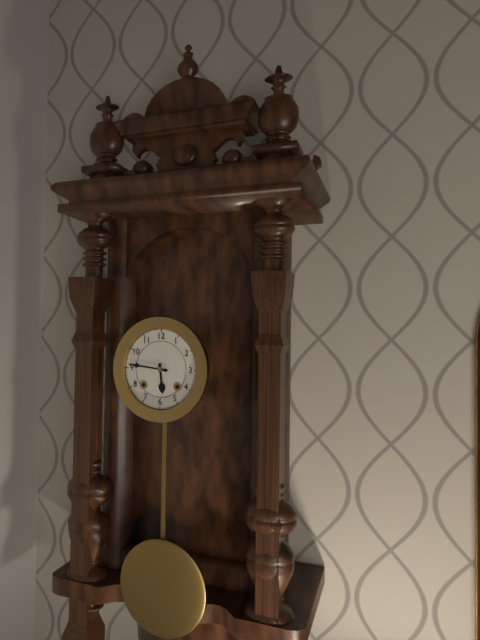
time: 5:46
